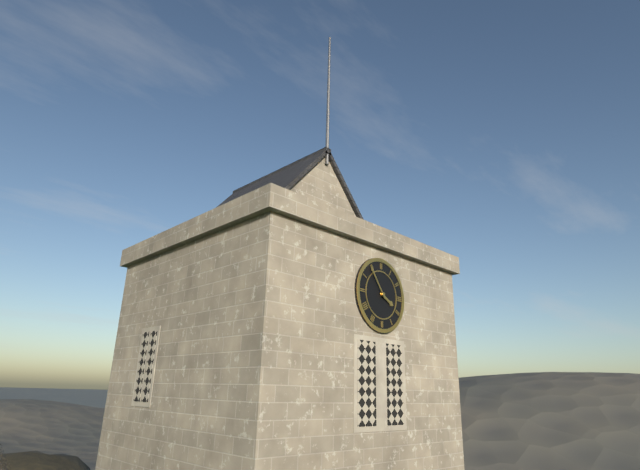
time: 3:54
